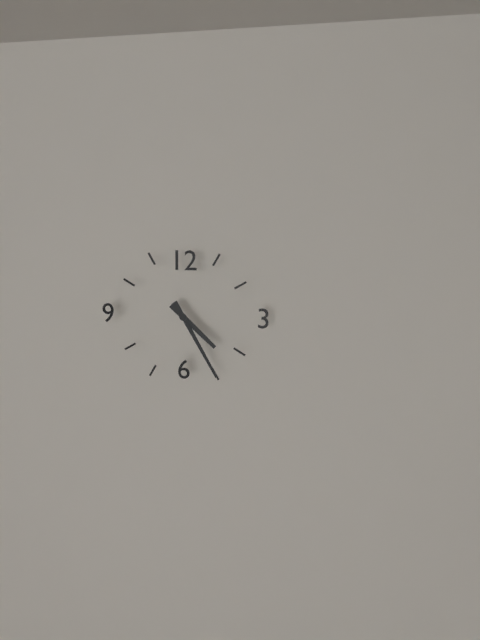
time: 4:25
